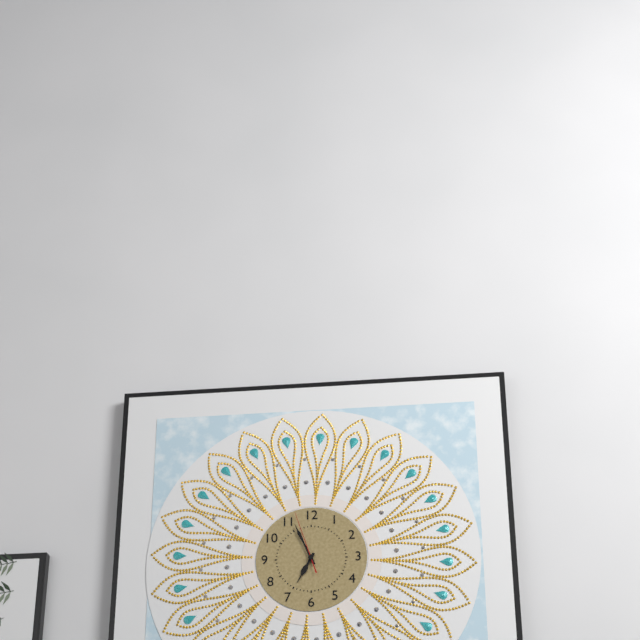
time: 6:56:57
